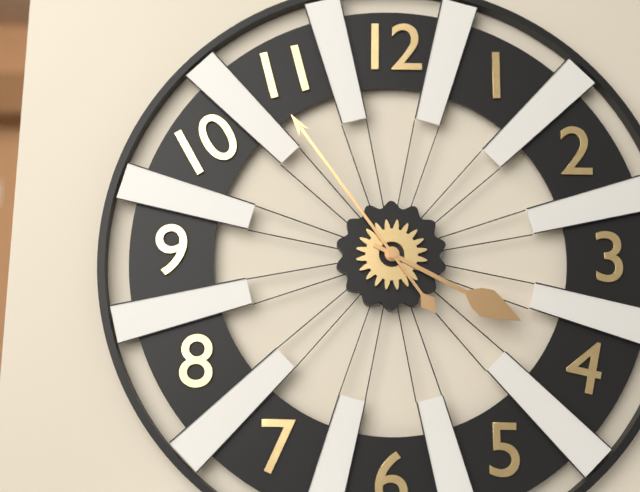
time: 3:54
